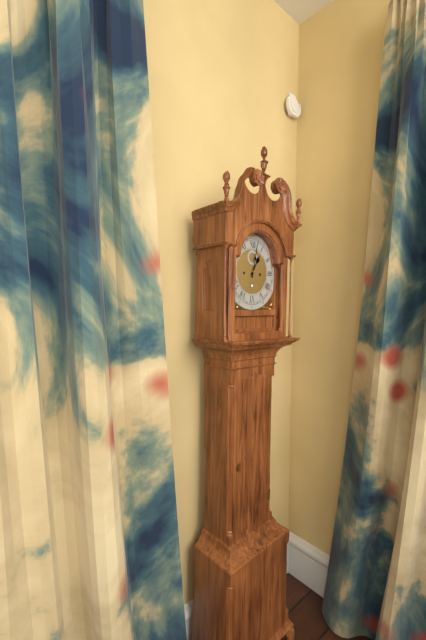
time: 1:02
